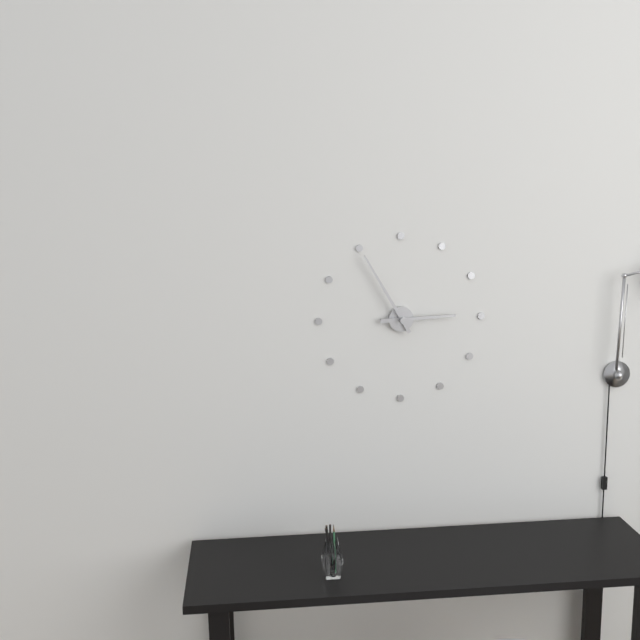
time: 2:55
